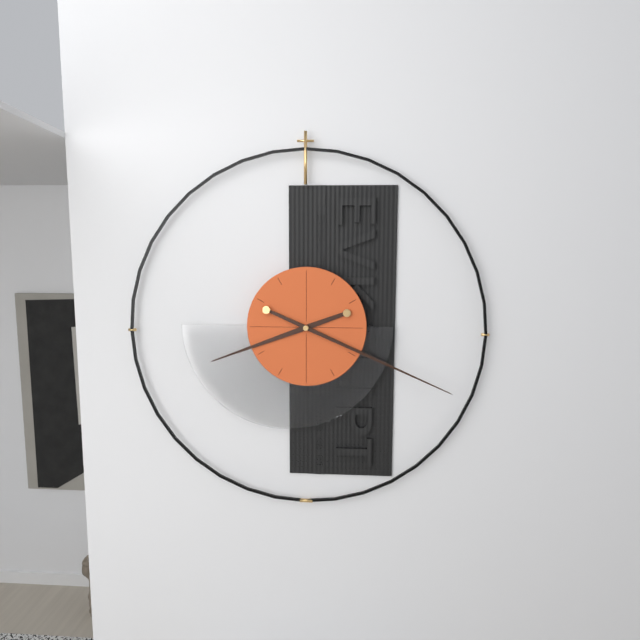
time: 8:19
